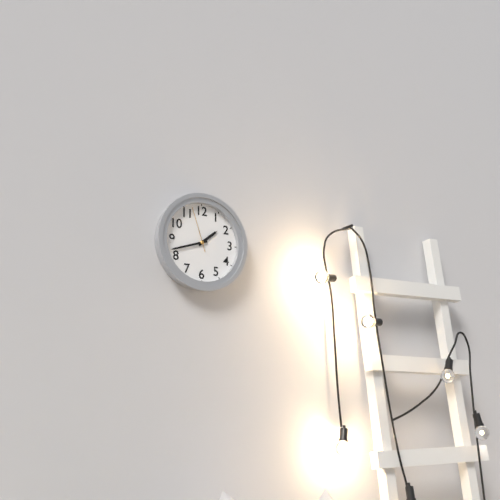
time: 1:42
